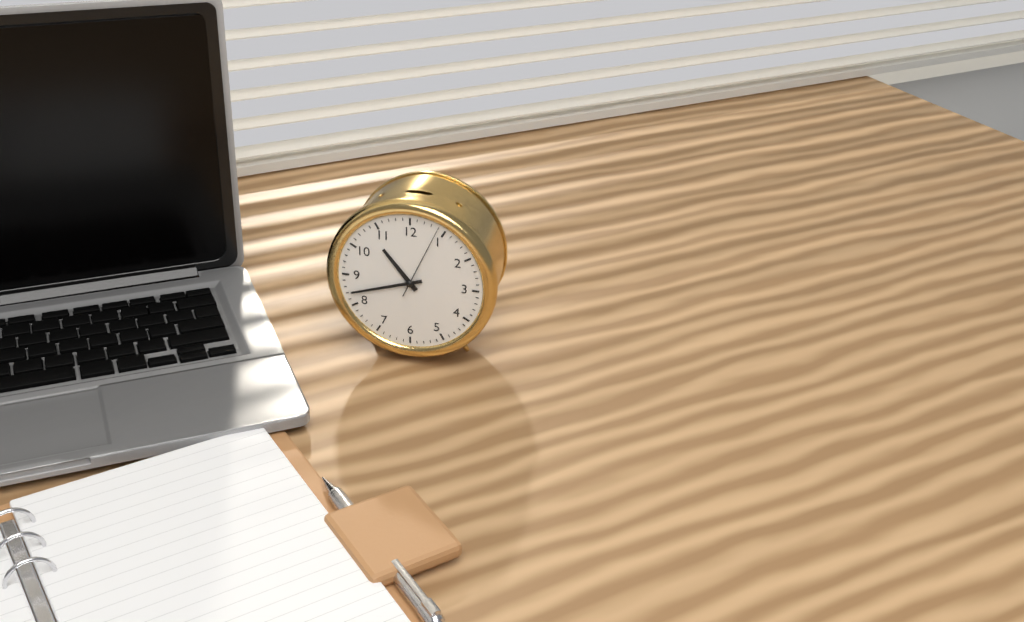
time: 10:42:04
